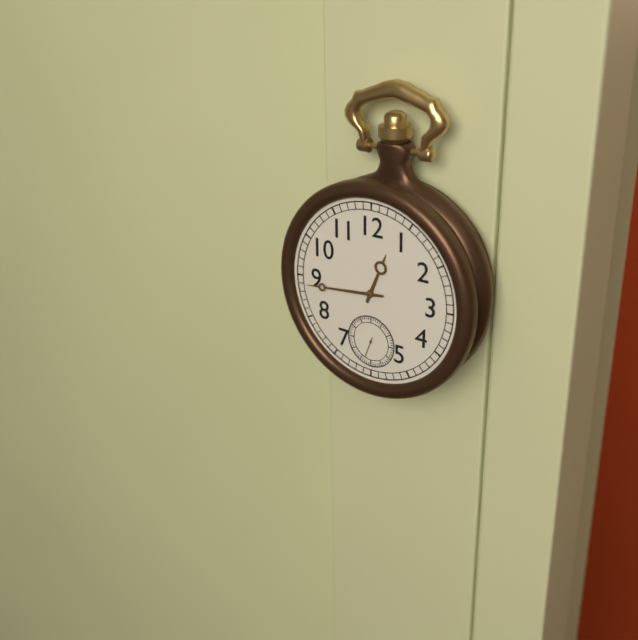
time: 12:44
